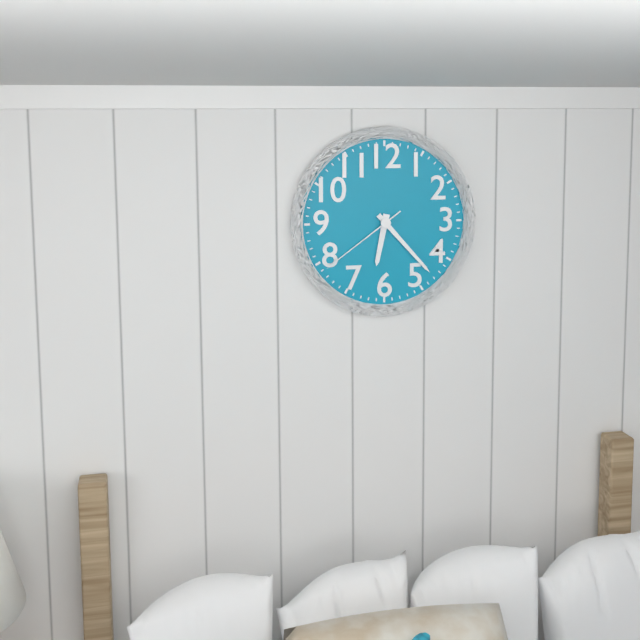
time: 6:23:39
